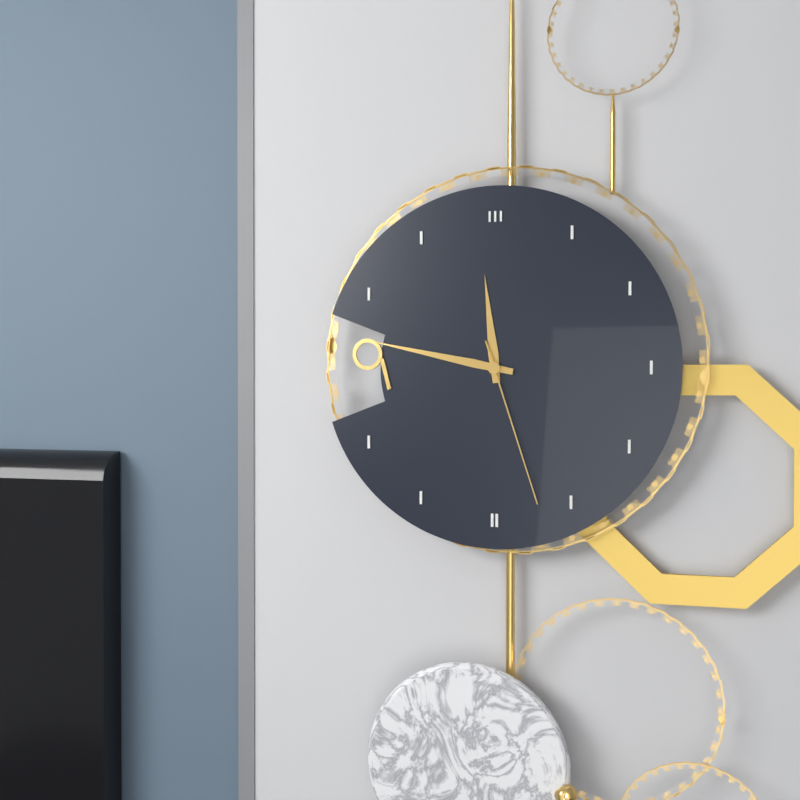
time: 11:47:27
